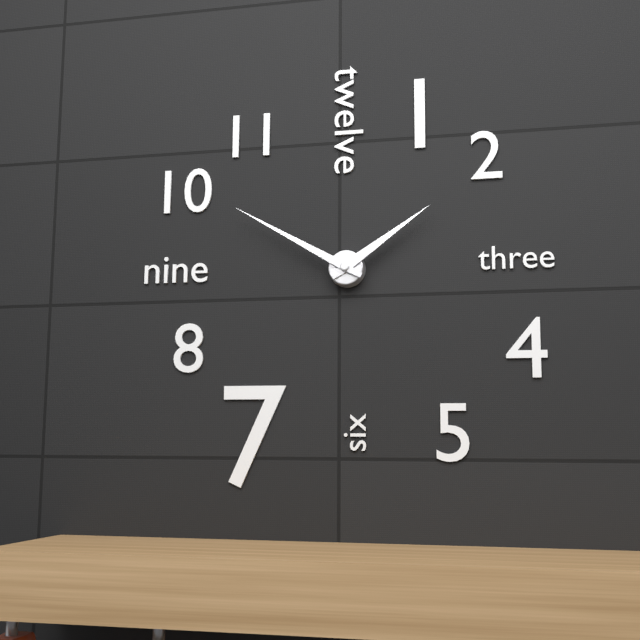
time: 1:50
